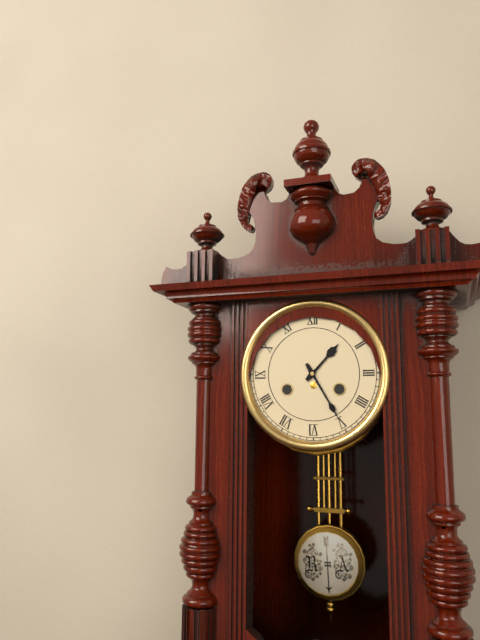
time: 1:25
